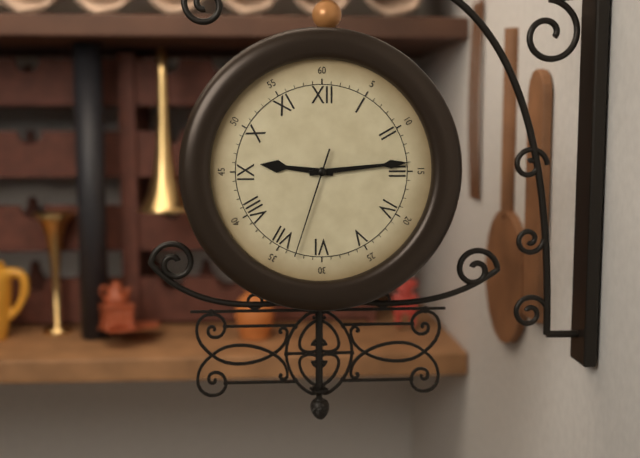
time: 9:14:33
